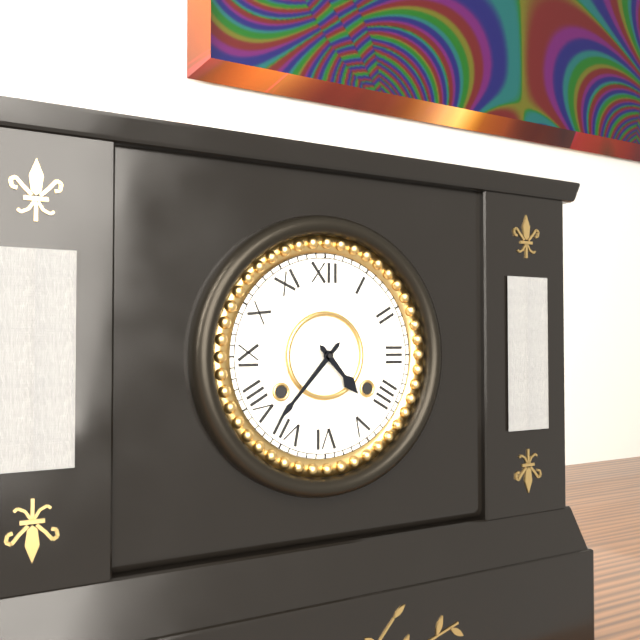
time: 4:37
